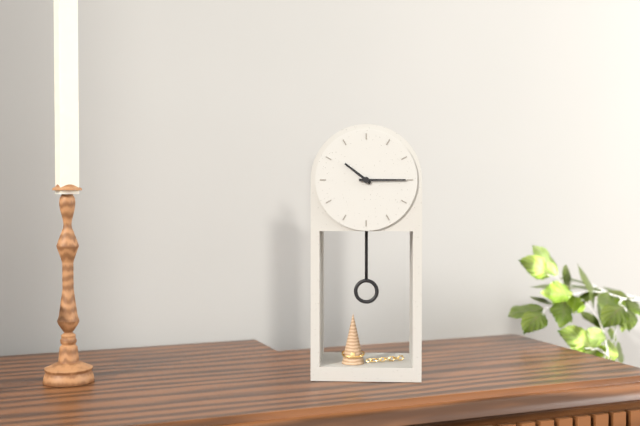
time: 10:15
